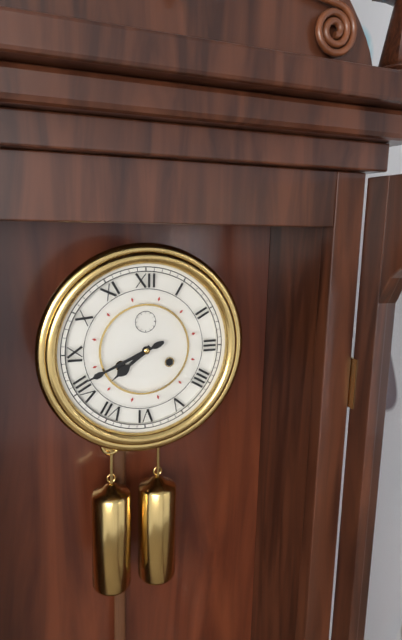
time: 7:41
